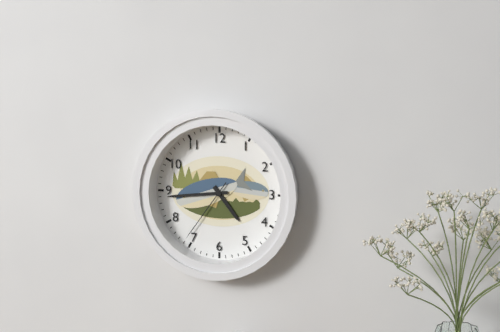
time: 4:44:36
